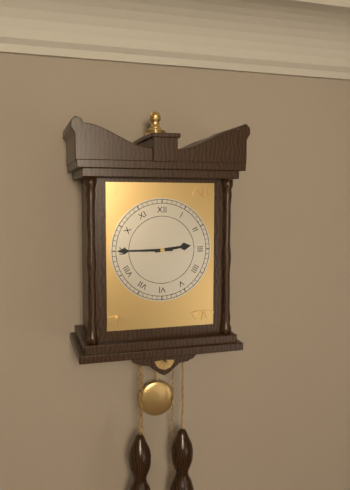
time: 2:45
